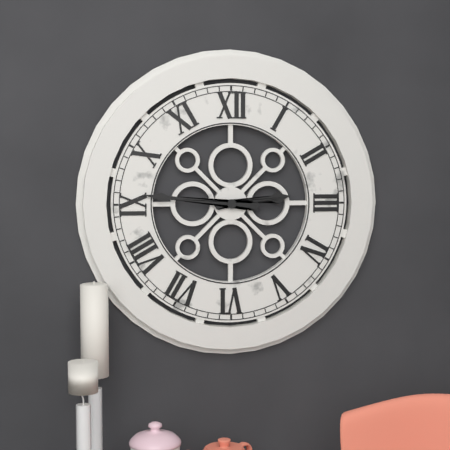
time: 2:46
